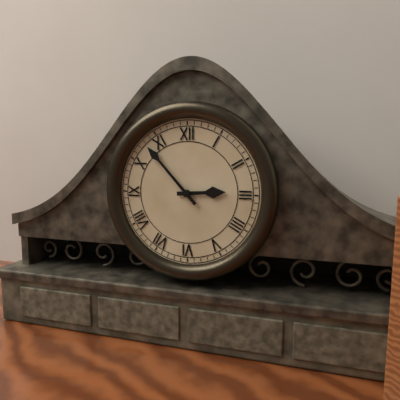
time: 2:53
